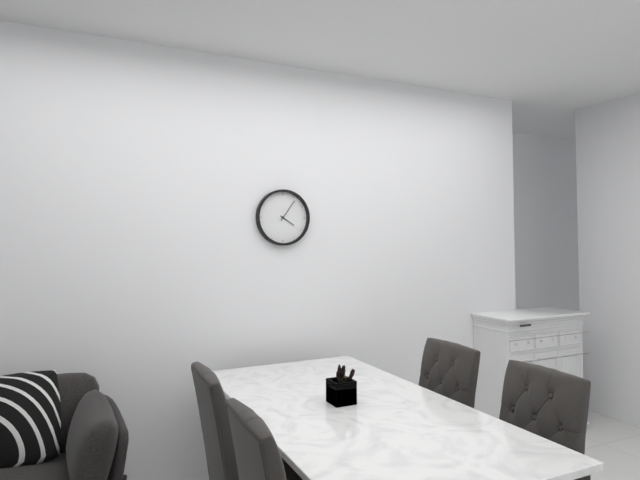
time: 4:06
